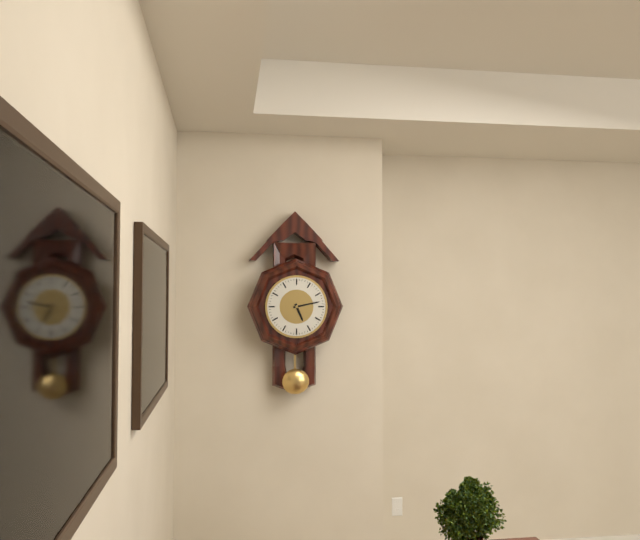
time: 5:13
